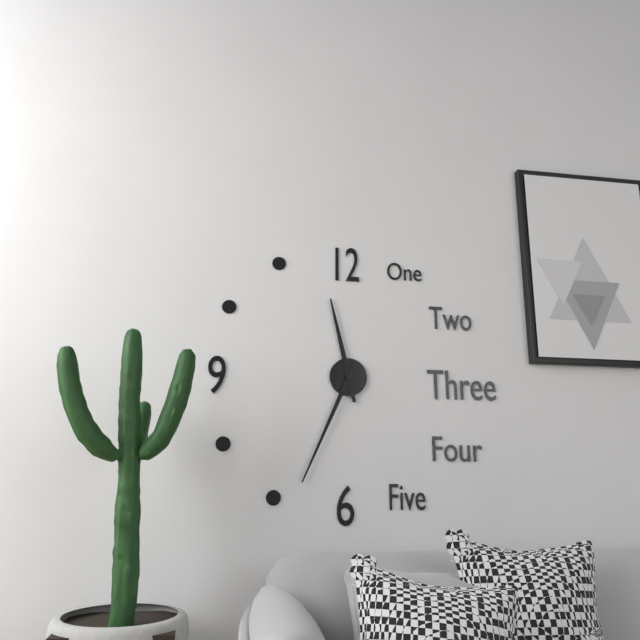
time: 11:34
